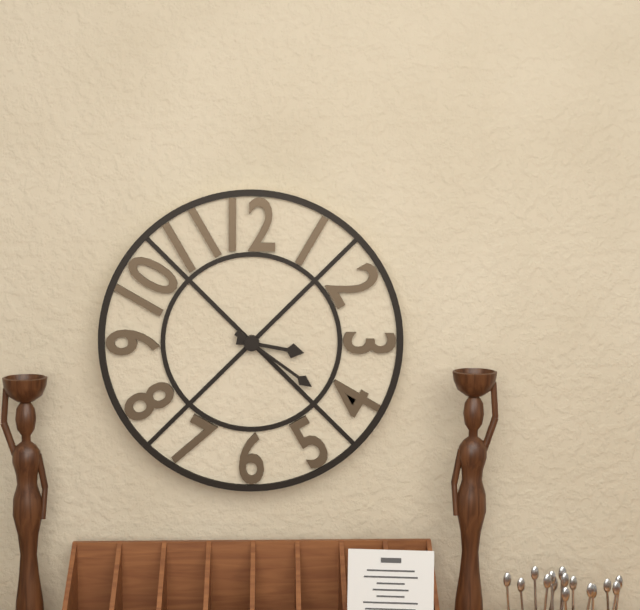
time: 3:21
